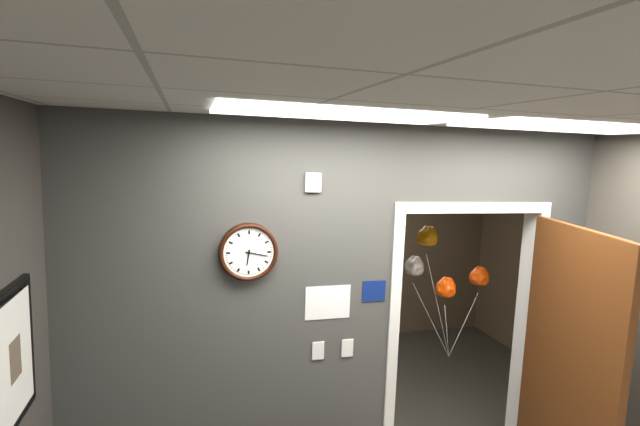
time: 6:17
